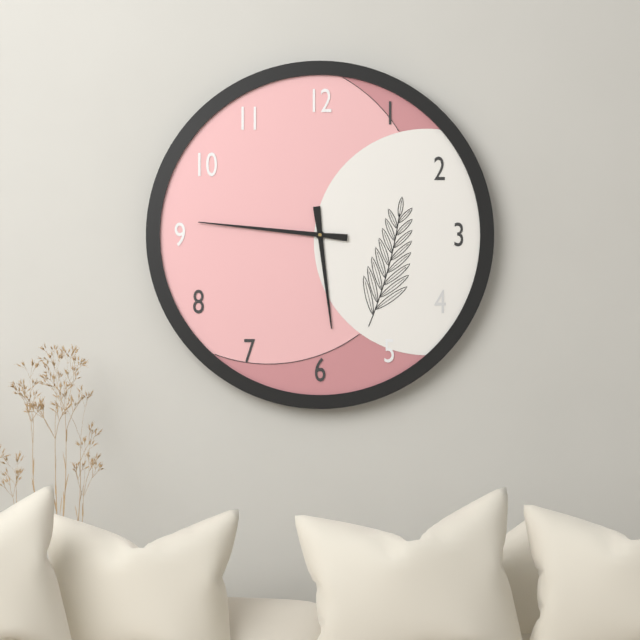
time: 5:46
